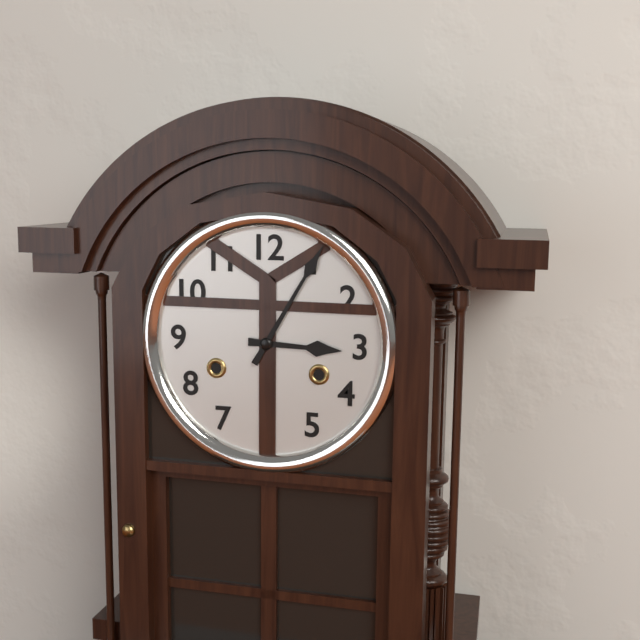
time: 3:05
